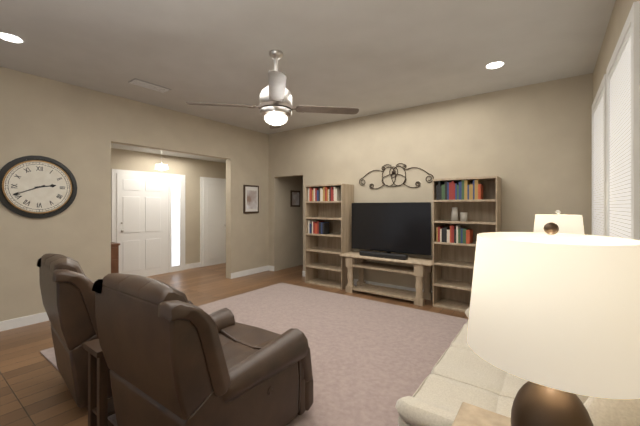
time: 2:41
